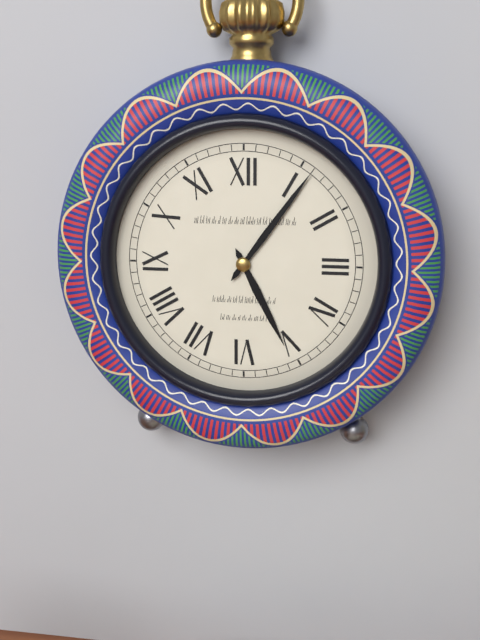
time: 5:06
